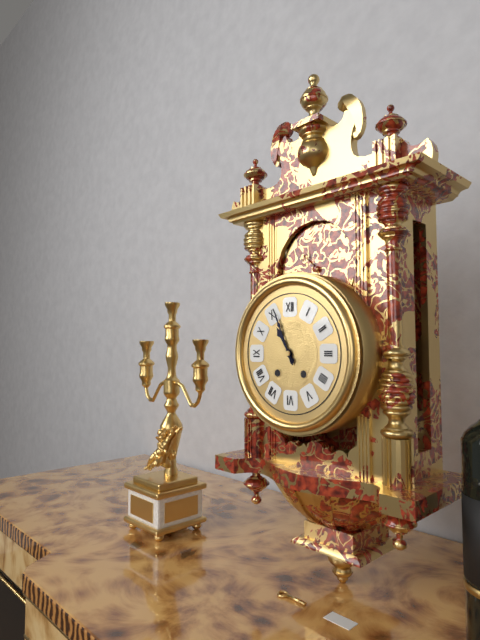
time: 10:56
